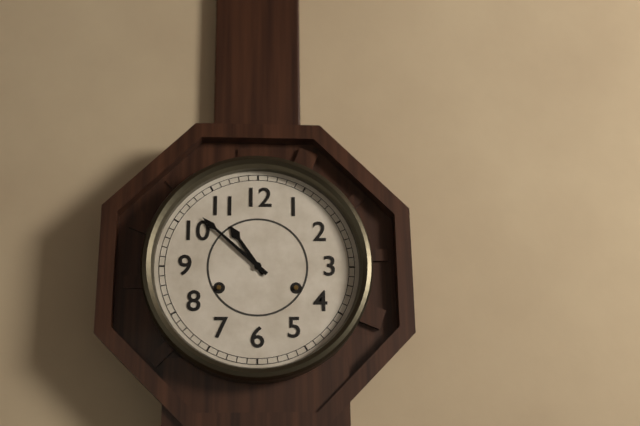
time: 10:52
